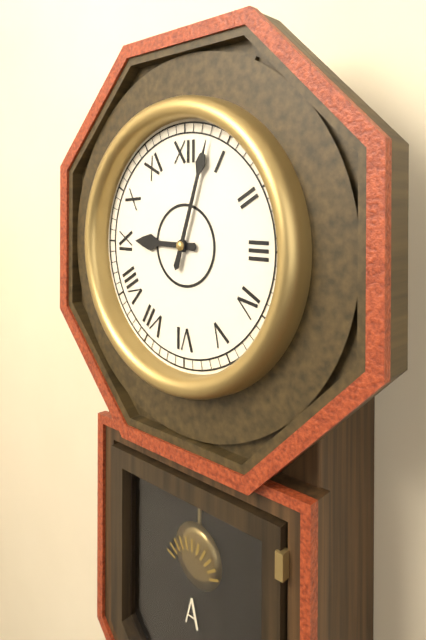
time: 9:03
